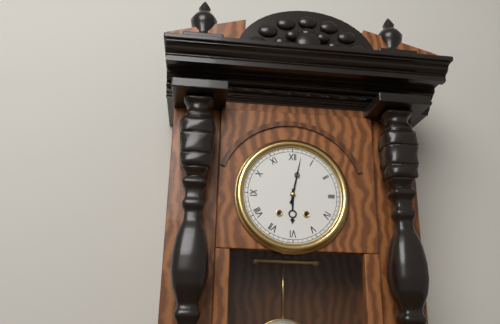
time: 6:02
